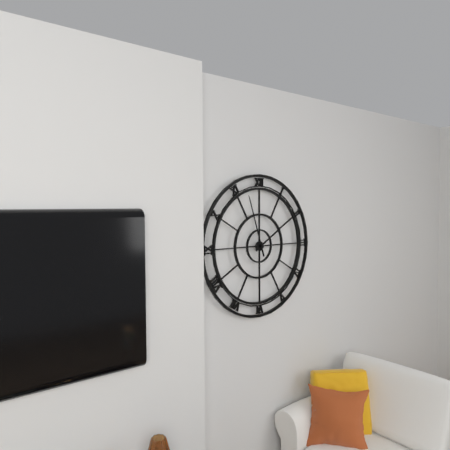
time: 1:57
